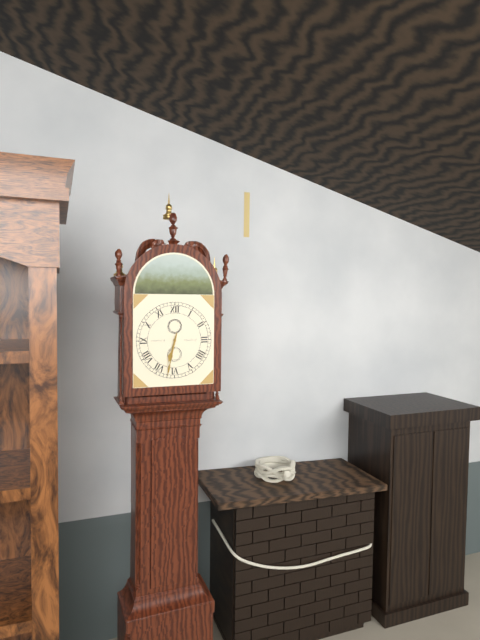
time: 6:32
